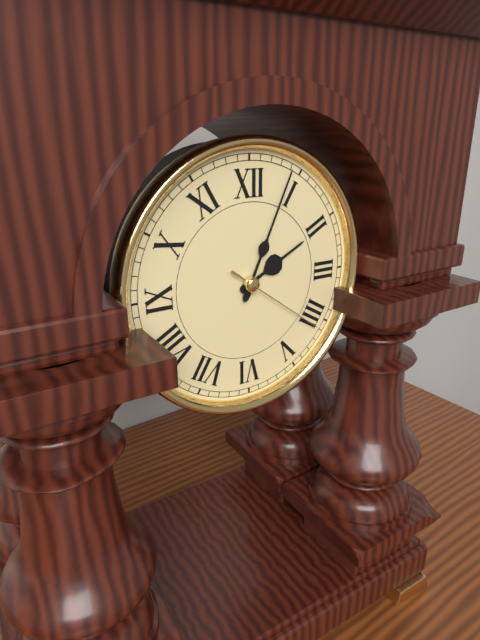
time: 2:04:21
